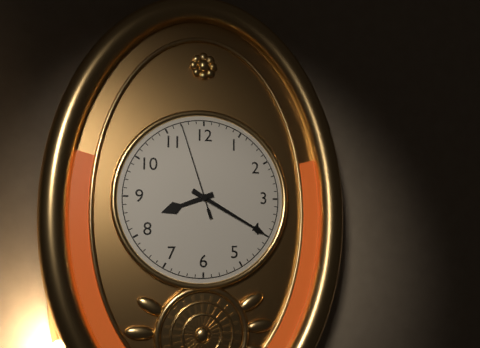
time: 8:20:57
